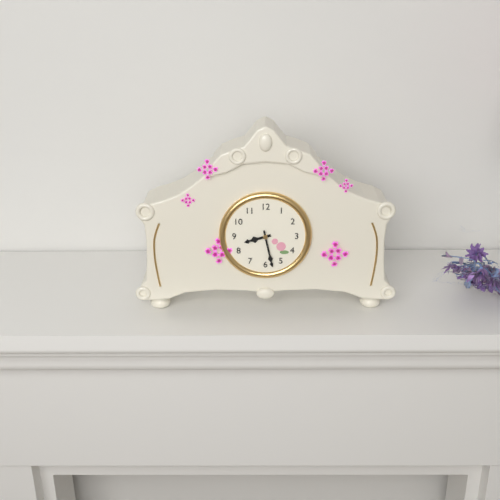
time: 8:28
